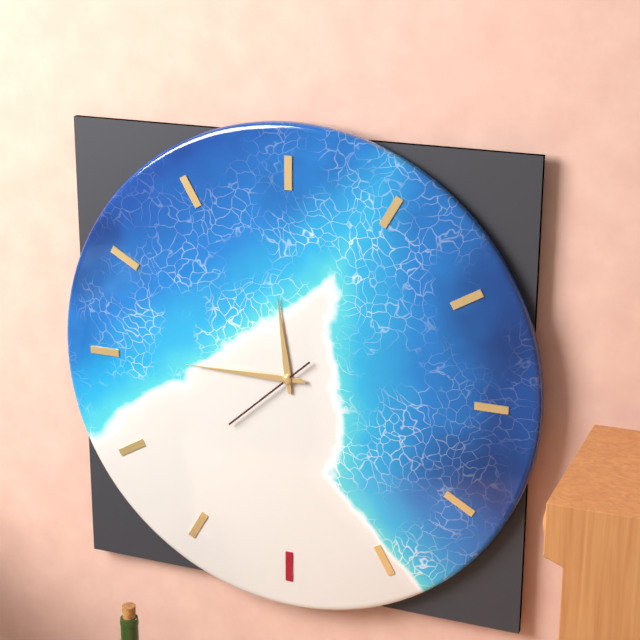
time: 11:45:38
